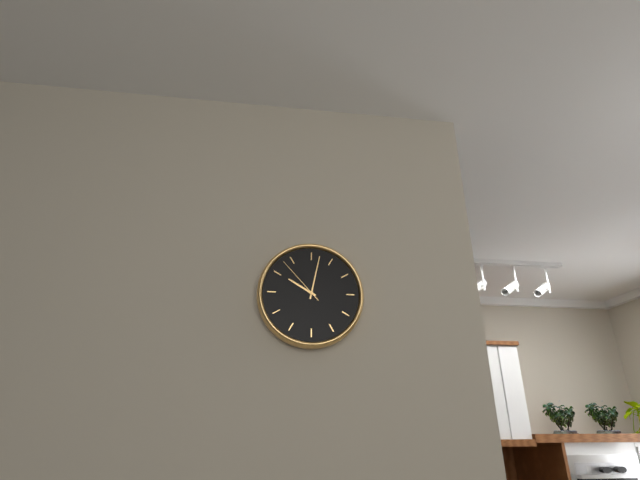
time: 10:02:53
